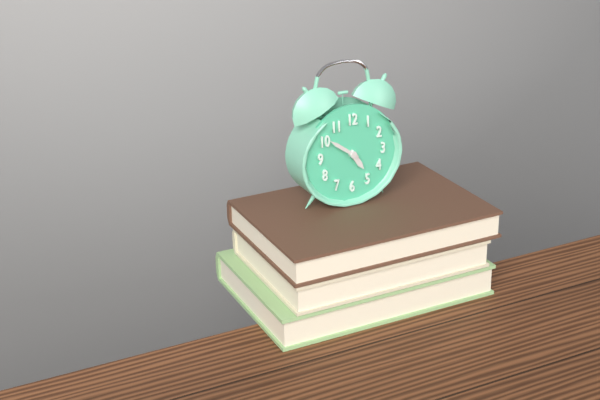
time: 4:51
